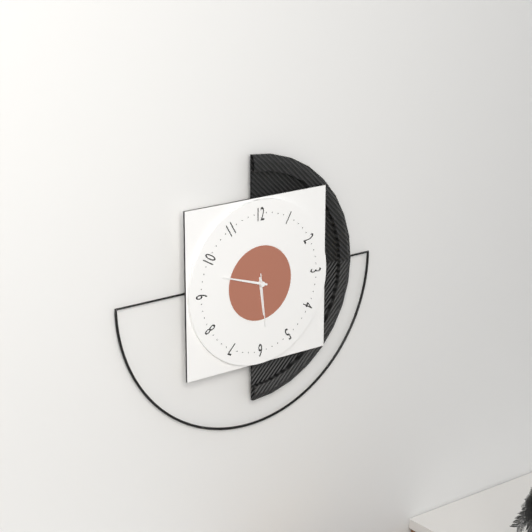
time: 5:48:29
